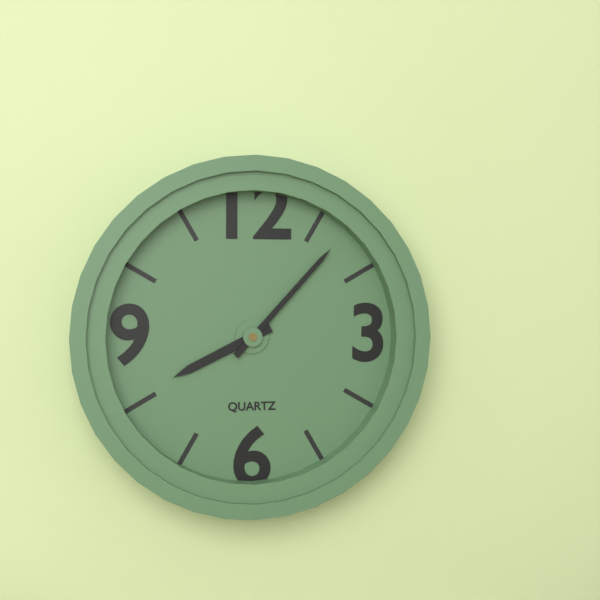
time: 8:07
